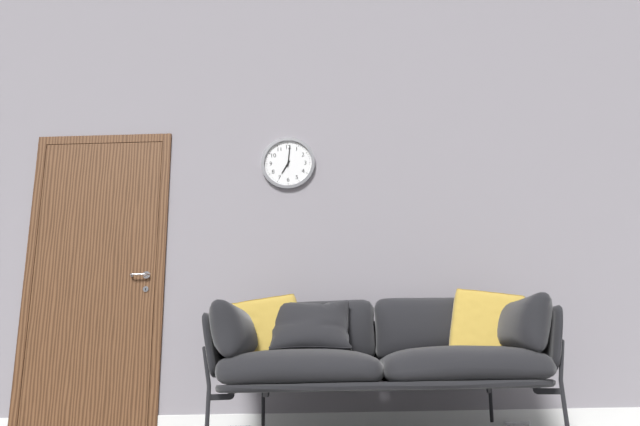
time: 7:01
